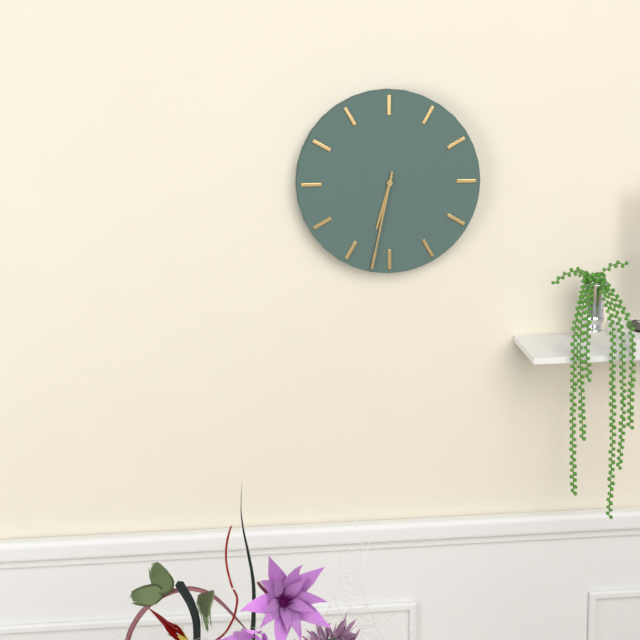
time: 6:32
